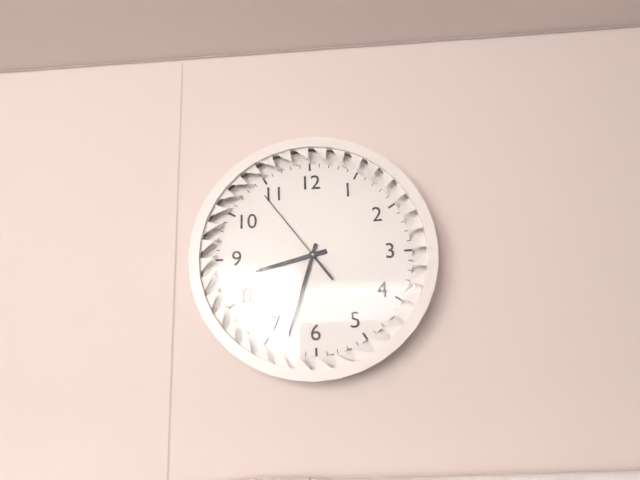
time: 8:33:54
